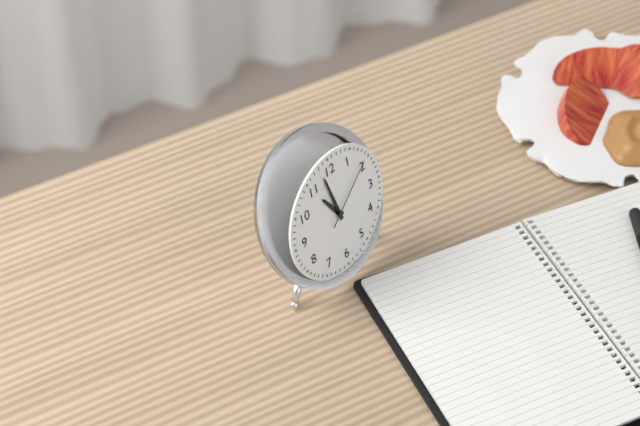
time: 10:58:09
